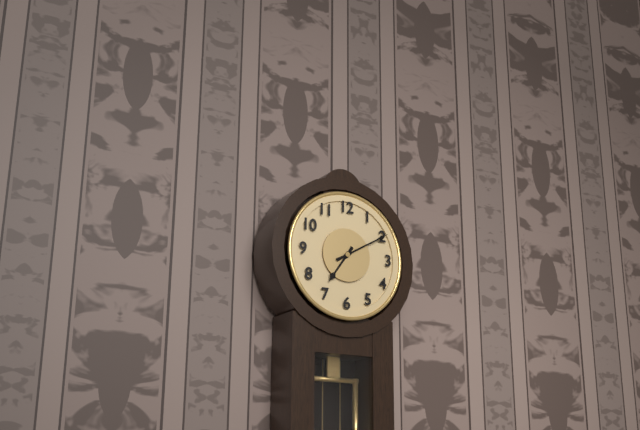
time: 7:10
